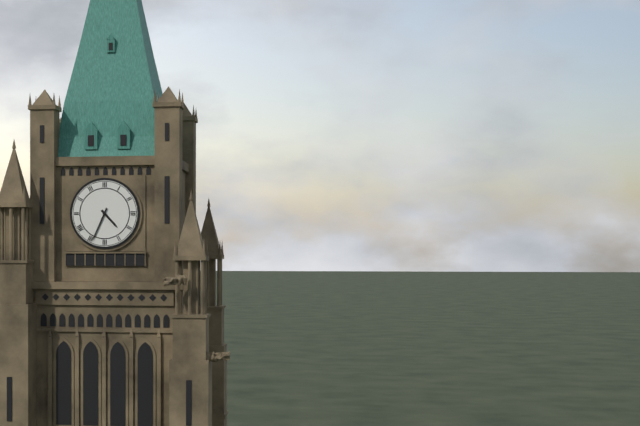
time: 4:34
